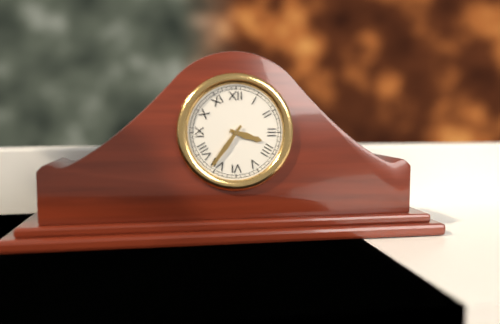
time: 3:36
